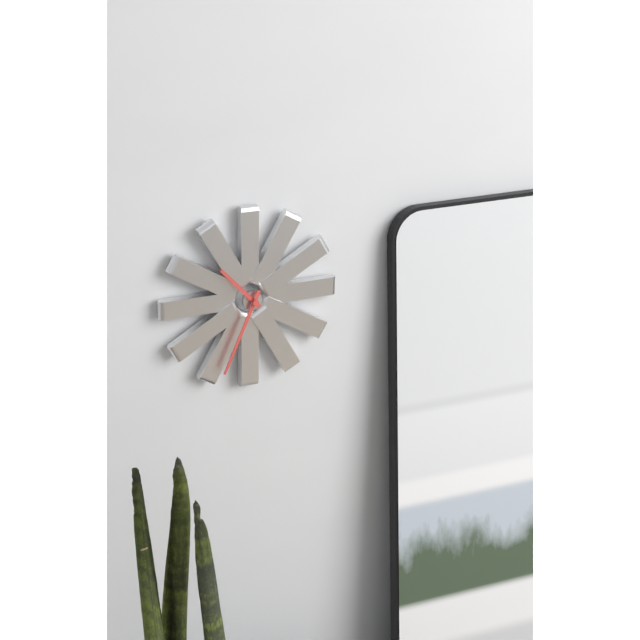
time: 10:34
